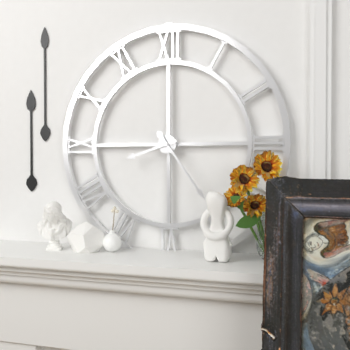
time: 8:24
